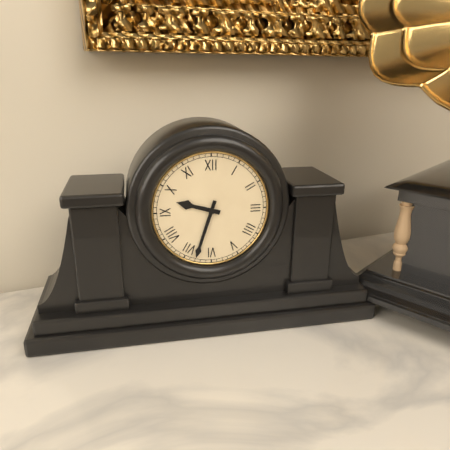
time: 9:33
